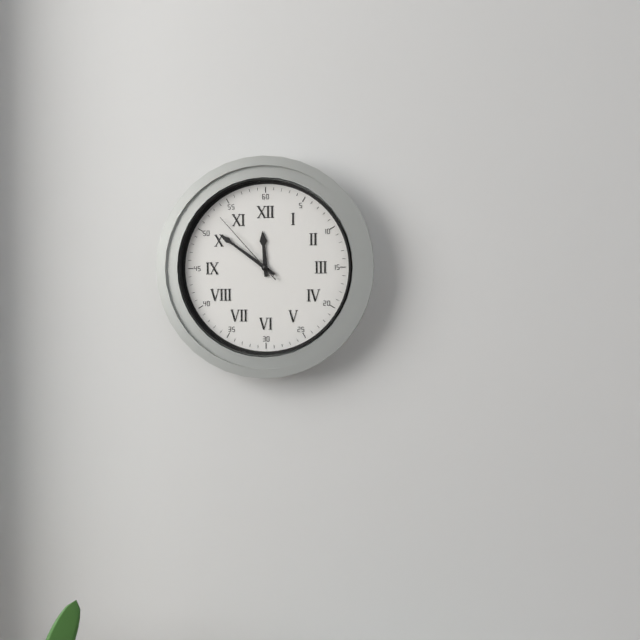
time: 11:51:53
